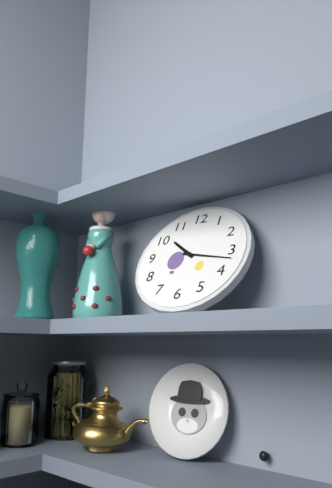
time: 10:17
